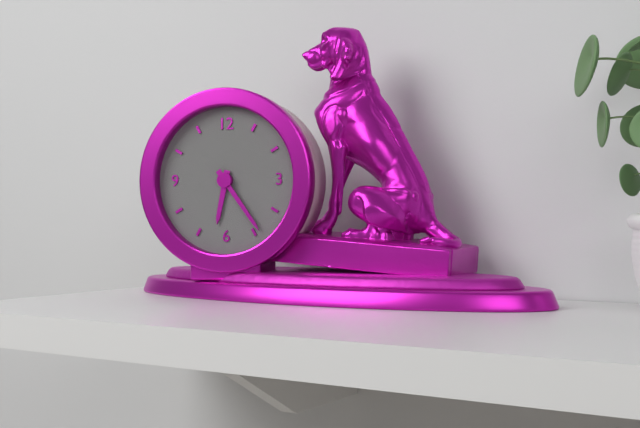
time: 6:24
